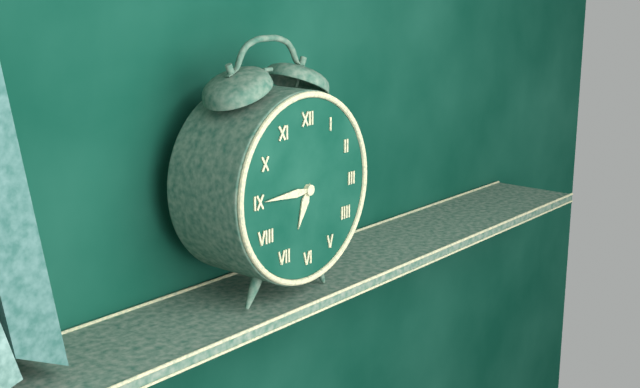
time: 6:45
